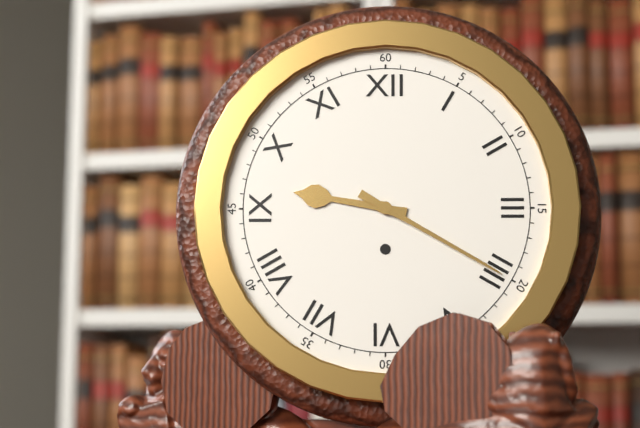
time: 9:20
